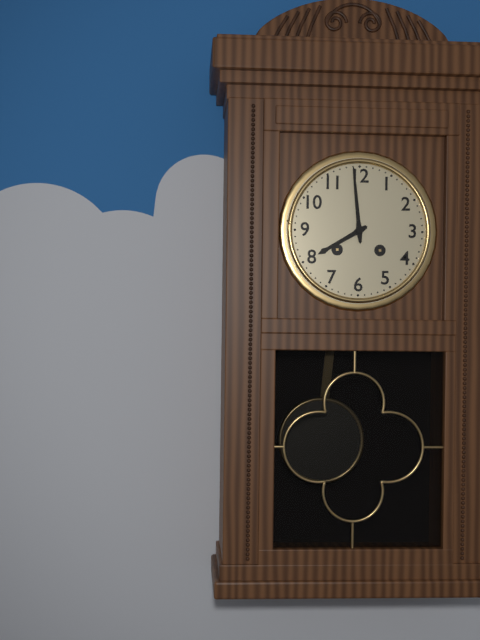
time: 7:59
